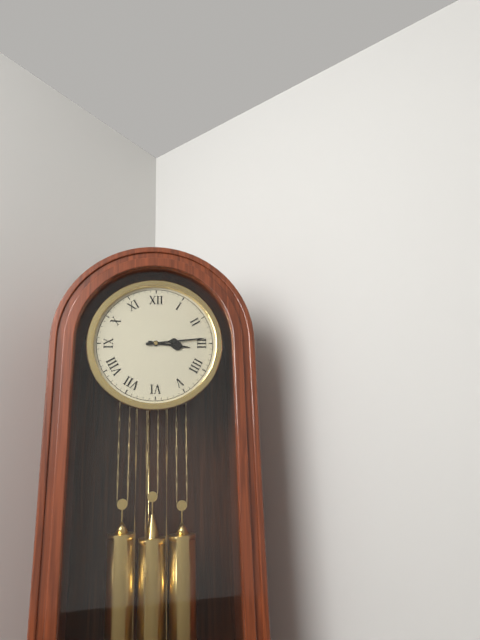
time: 3:14
